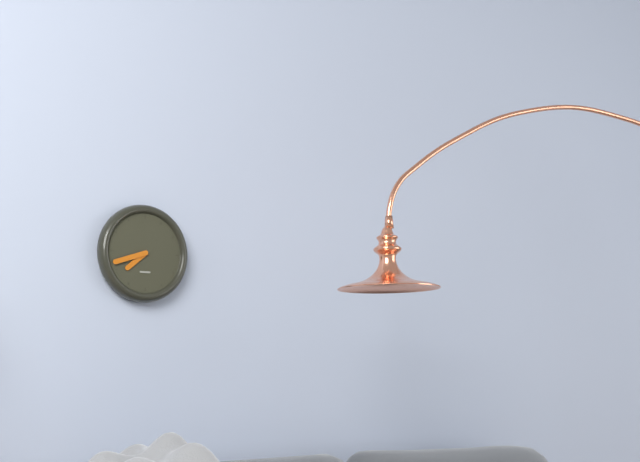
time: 7:42
